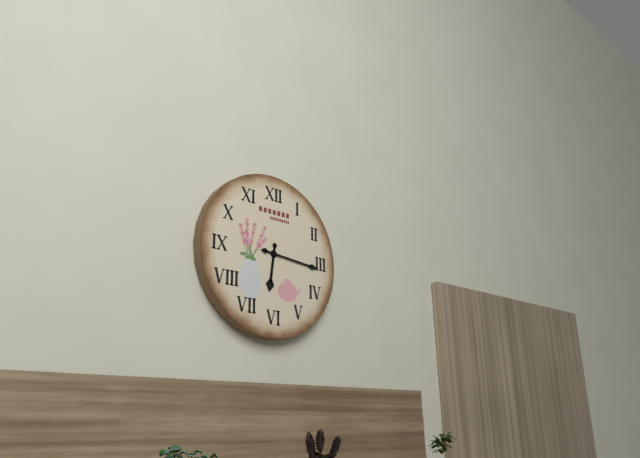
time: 6:16
